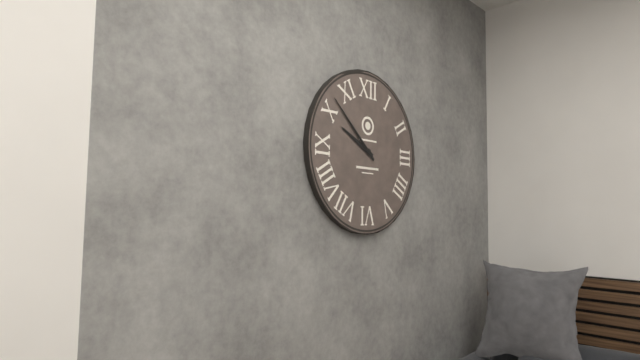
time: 9:52
